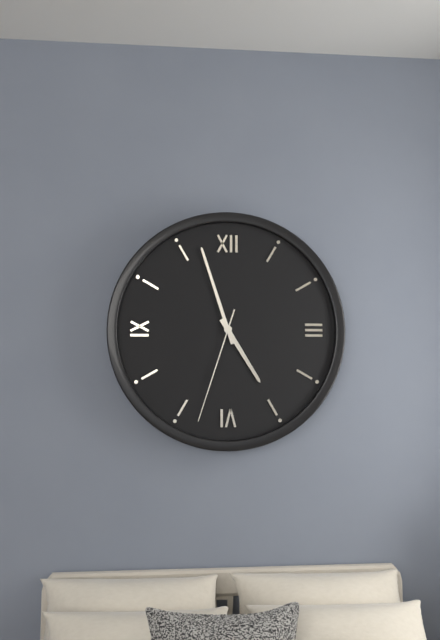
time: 4:57:33
